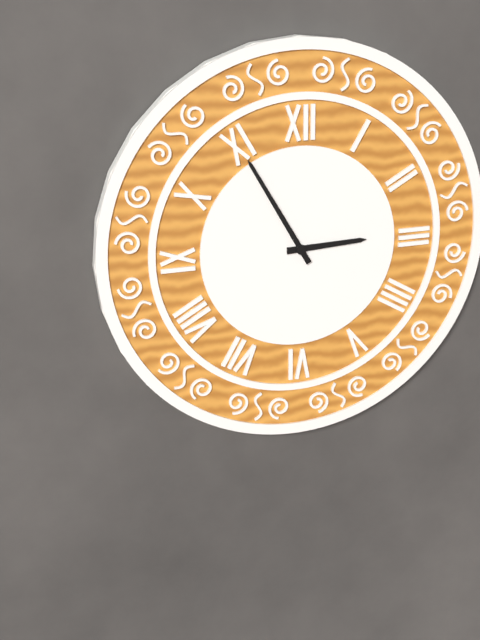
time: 2:55
